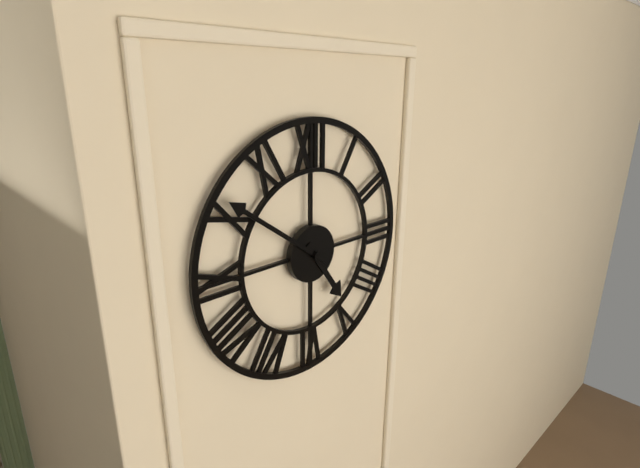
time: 4:51
